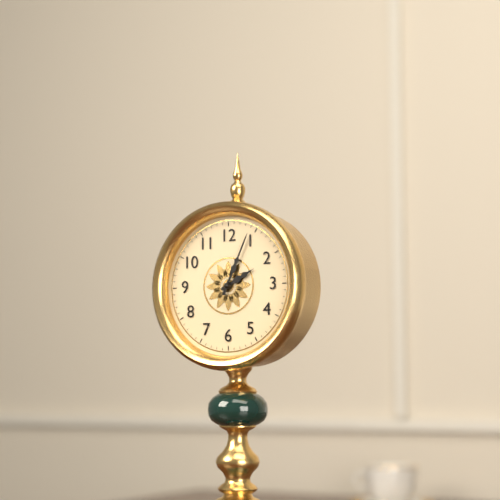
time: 2:04
